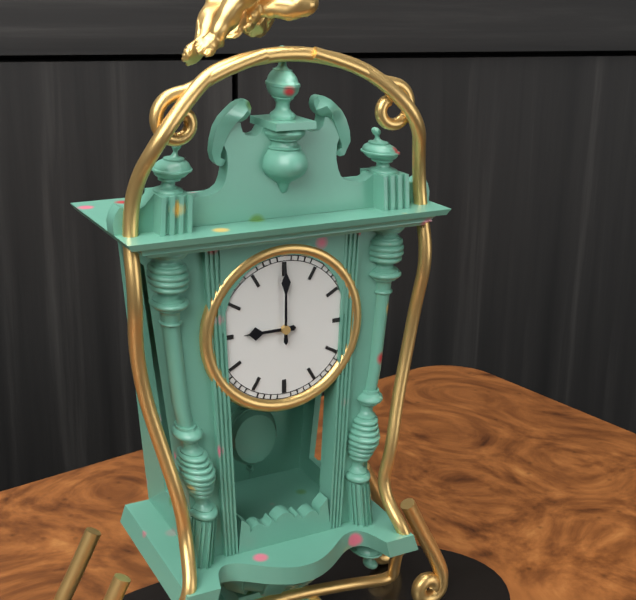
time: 9:00
